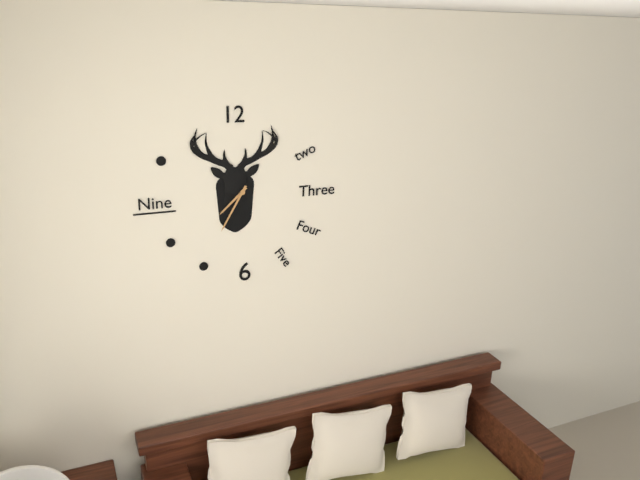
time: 7:35
